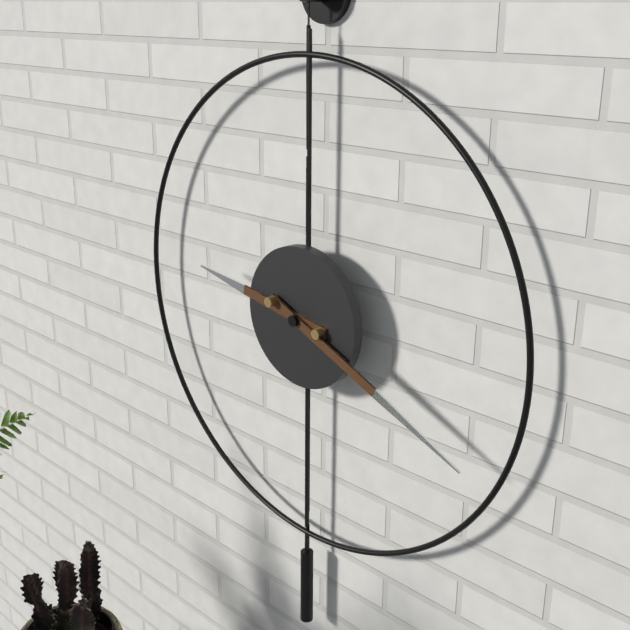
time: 9:19
